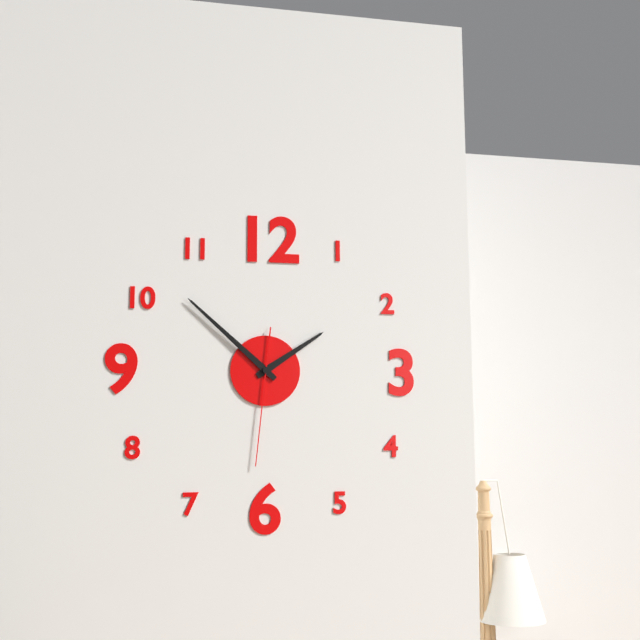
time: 1:52:31
